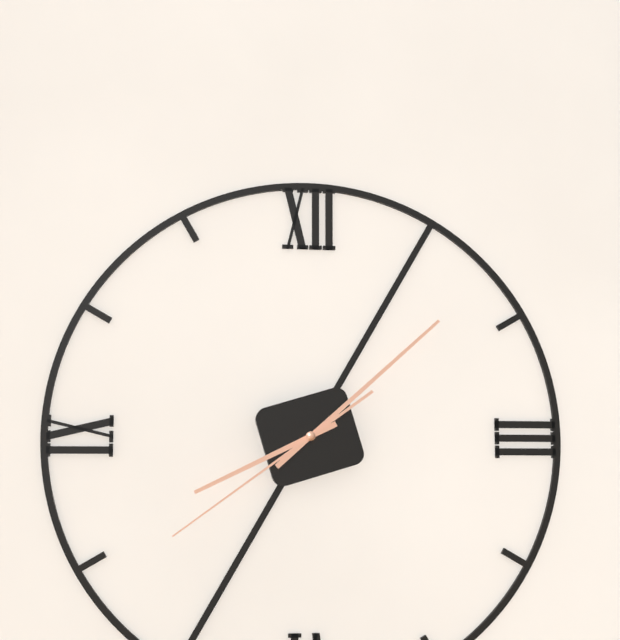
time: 8:08:39
